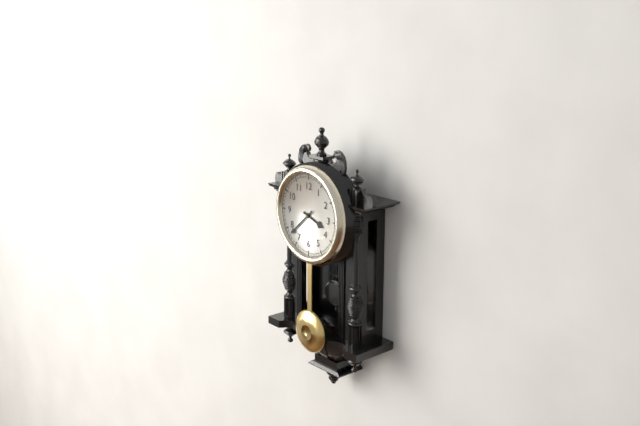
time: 3:38
